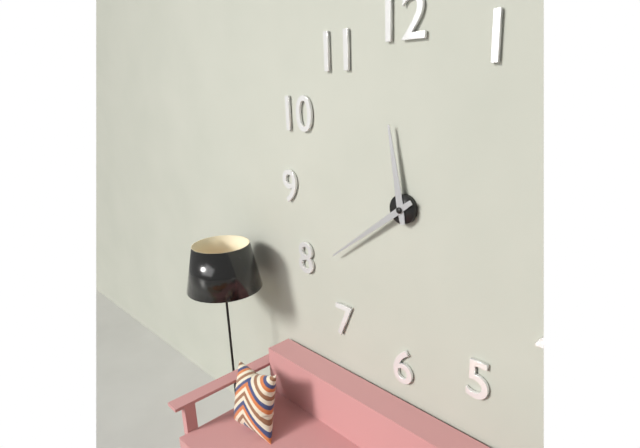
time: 11:39
